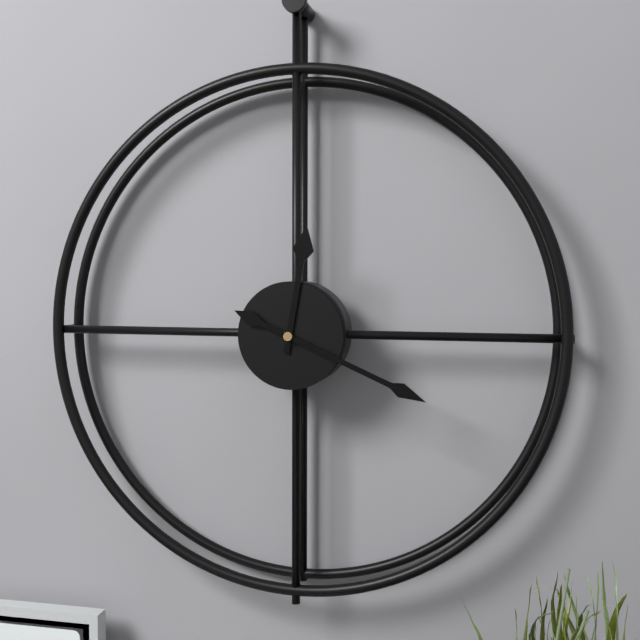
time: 12:19
